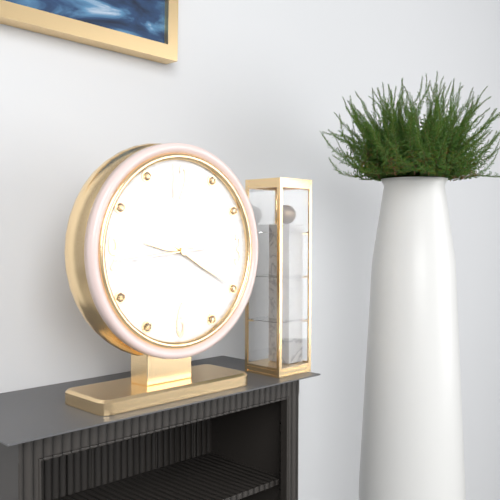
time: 9:20:44
